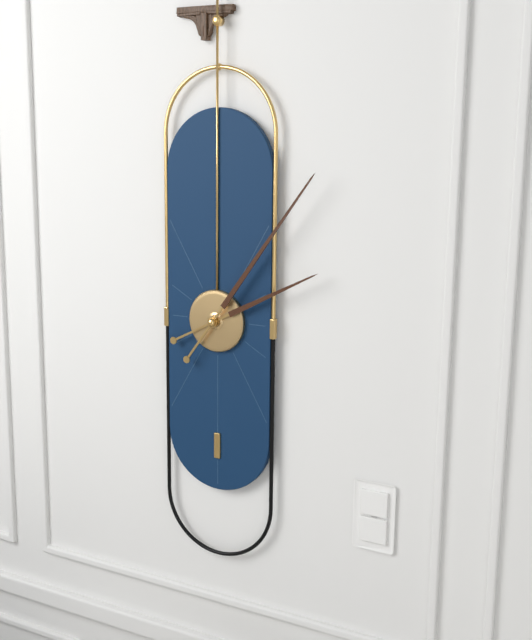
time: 2:06
